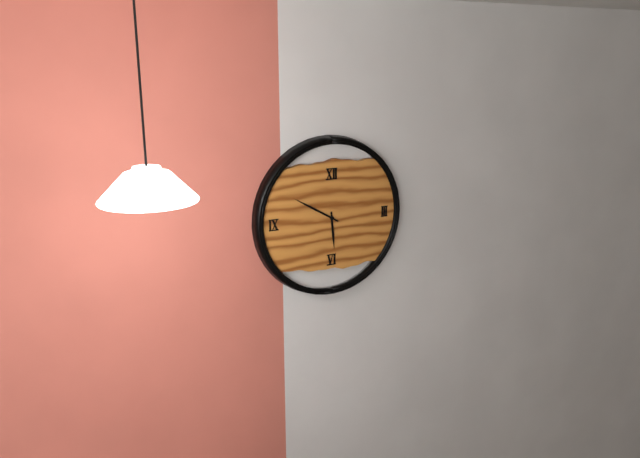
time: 5:50
